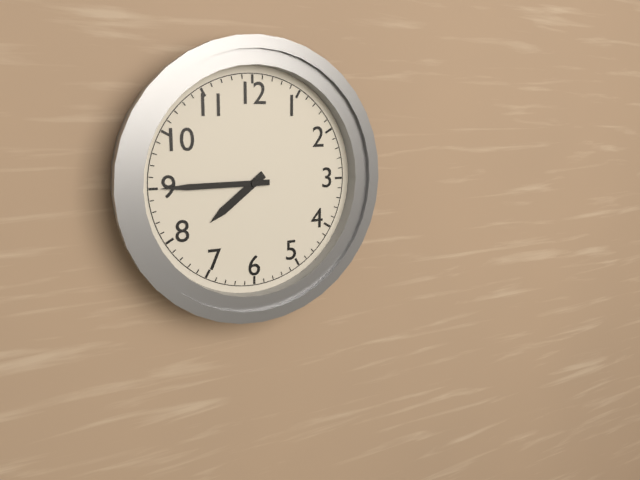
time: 7:45
